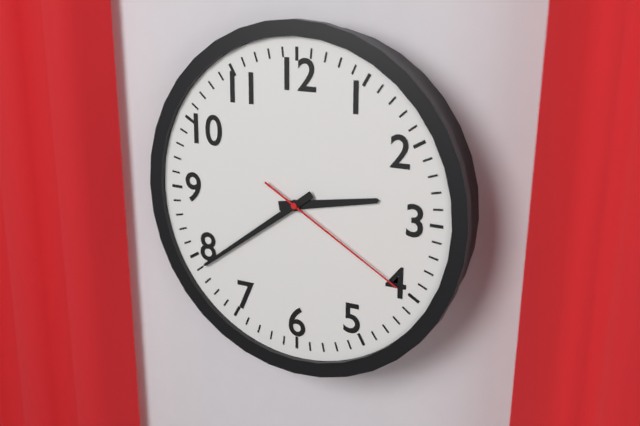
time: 2:39:20
